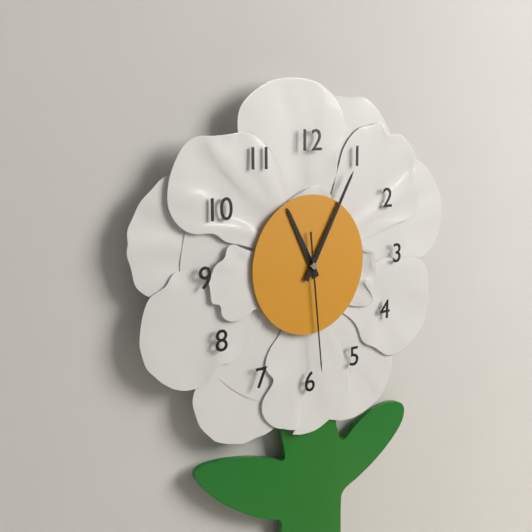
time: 11:05:29
